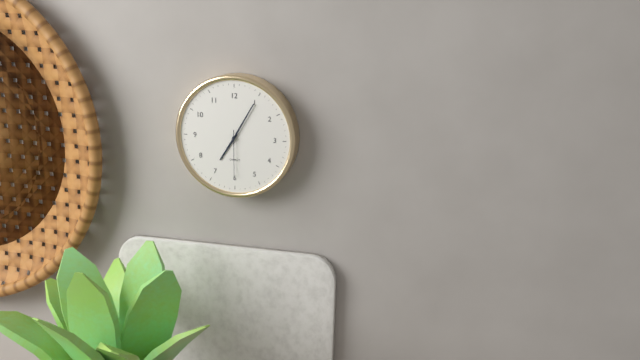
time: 7:05
